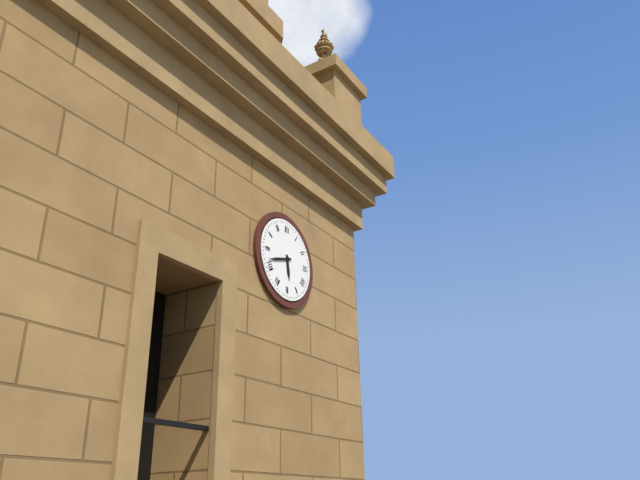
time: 5:42
